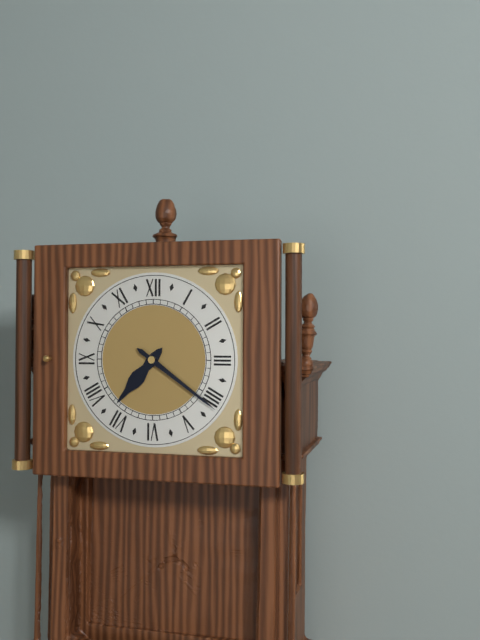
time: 7:21
